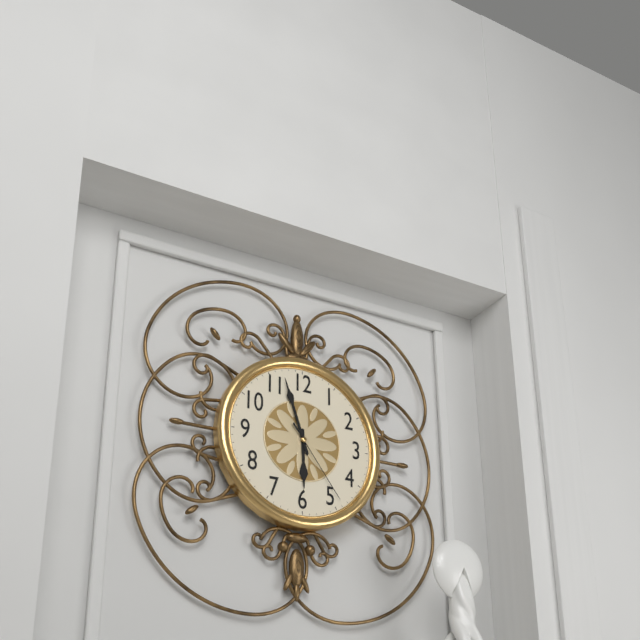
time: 5:57:24
